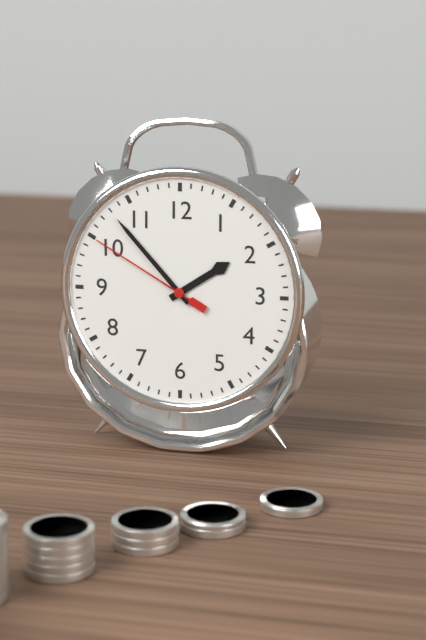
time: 1:53:50
